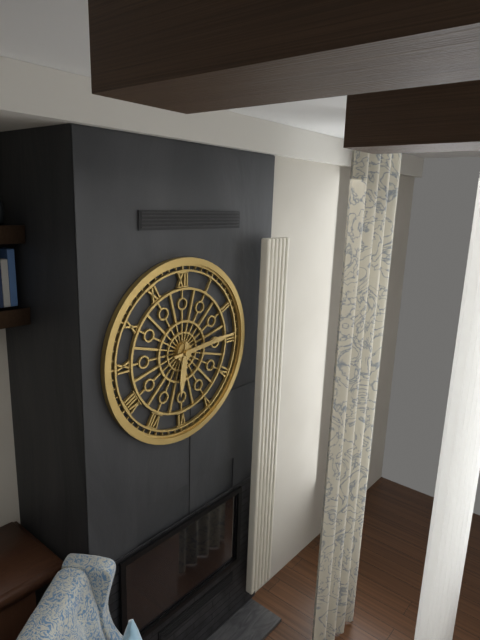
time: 6:14
